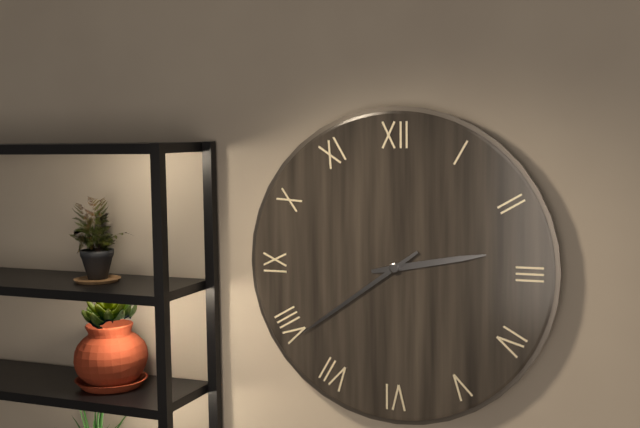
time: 2:39
